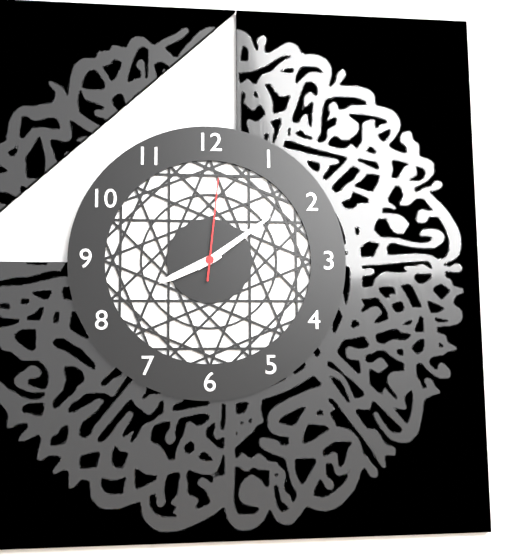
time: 8:09:01
